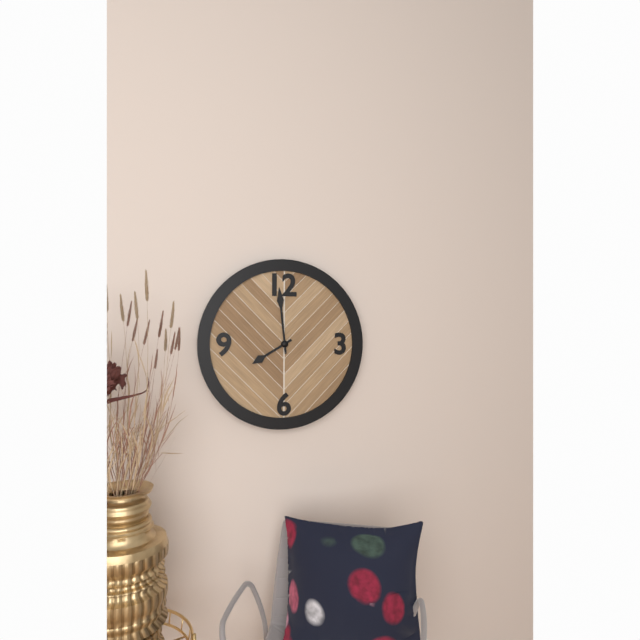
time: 7:59
